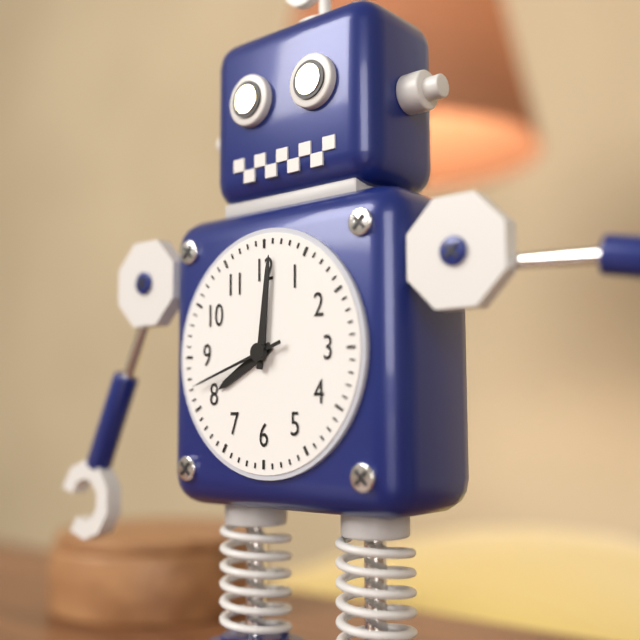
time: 8:01:42
